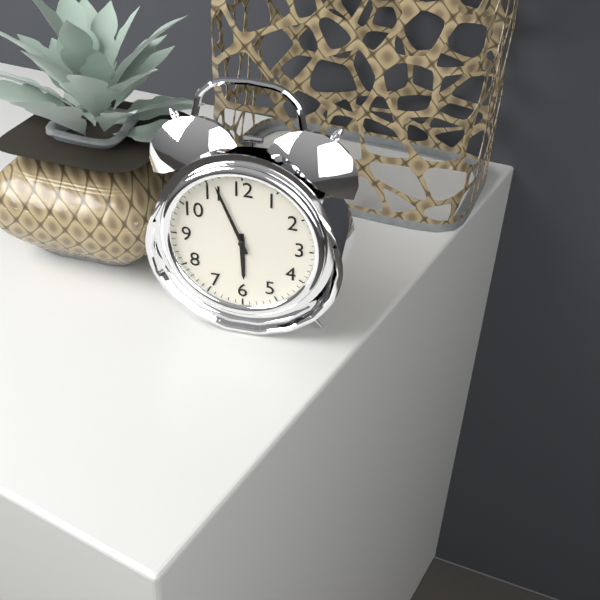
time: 5:56
